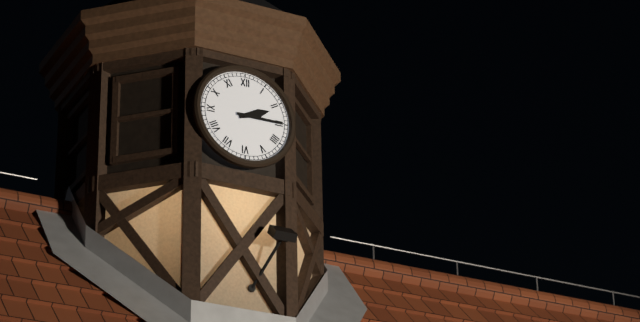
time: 2:15
